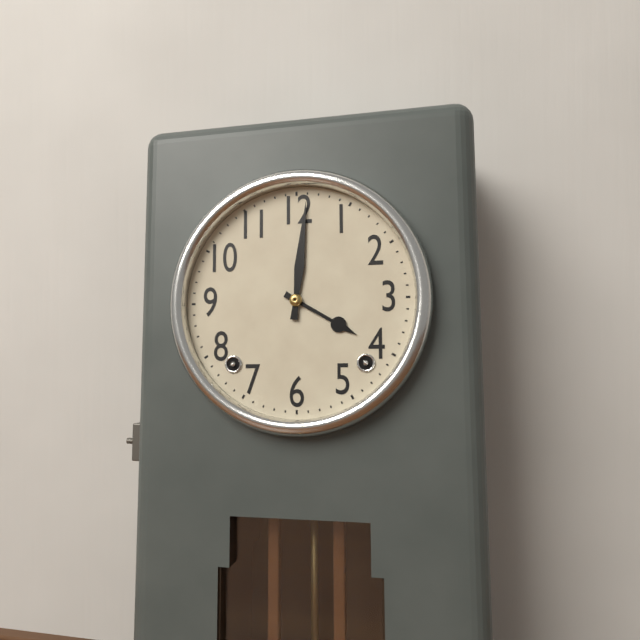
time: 4:01
